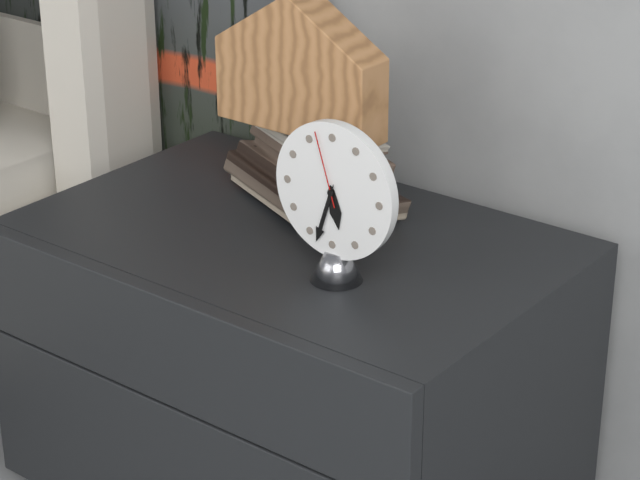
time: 5:33:57
